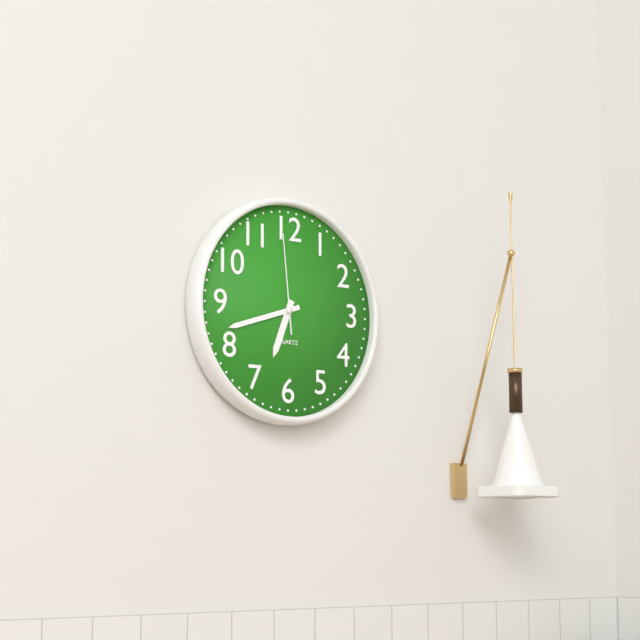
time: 6:42:59
